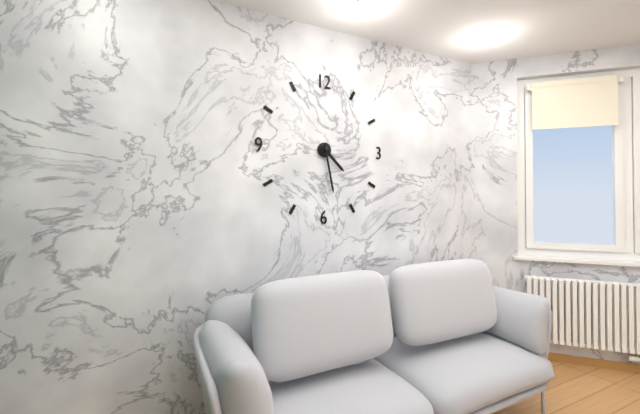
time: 4:28
